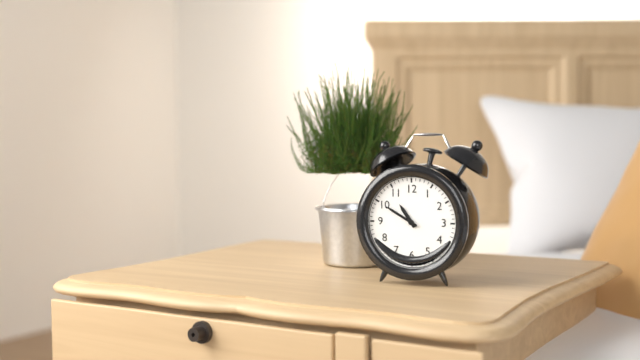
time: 10:50
